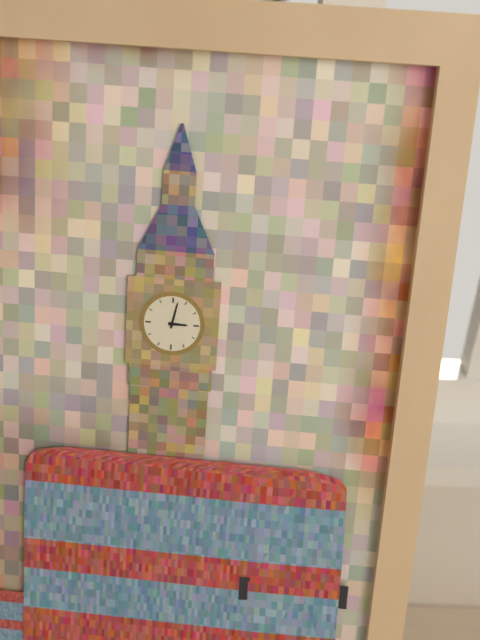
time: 3:02
